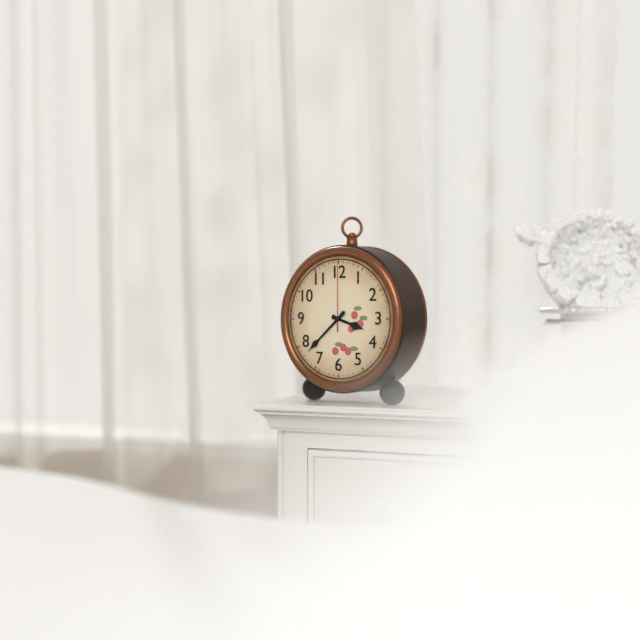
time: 3:38:00
